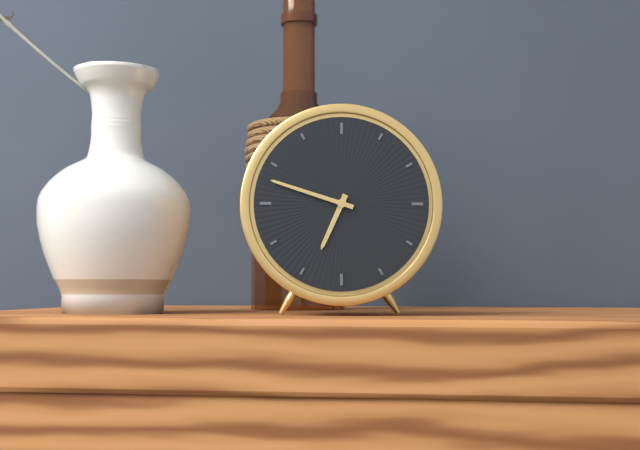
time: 6:48
